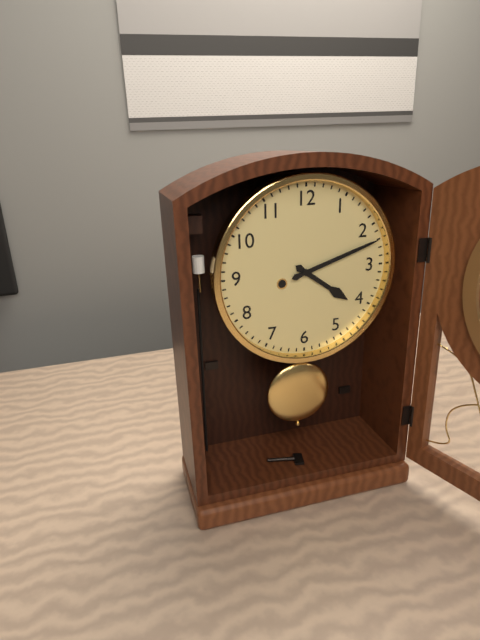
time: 4:12
